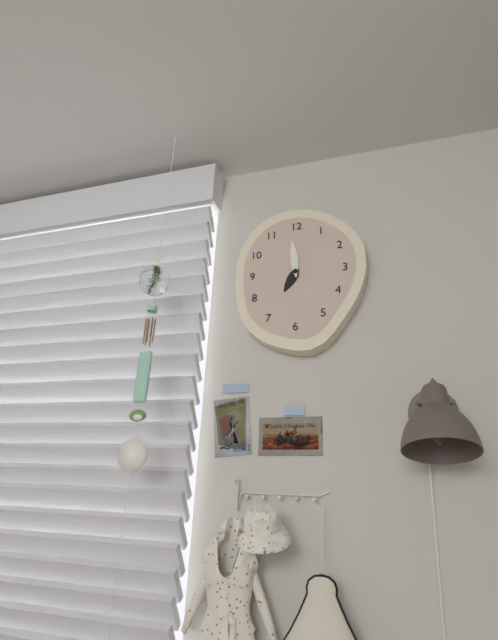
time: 6:59
